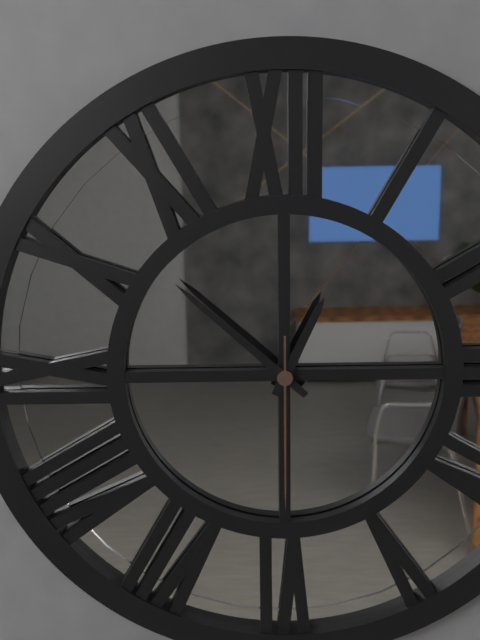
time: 12:52:30
